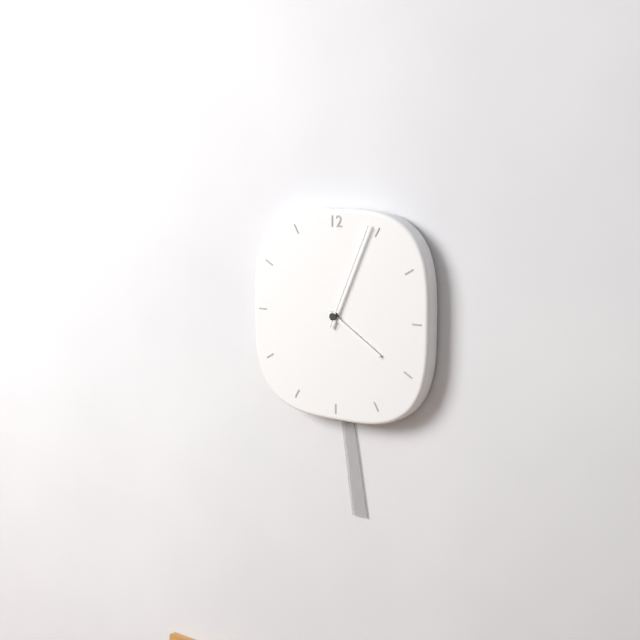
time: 4:04
